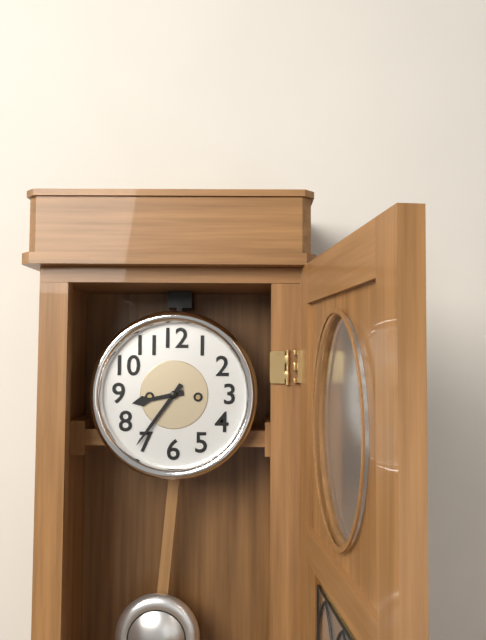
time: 8:36
